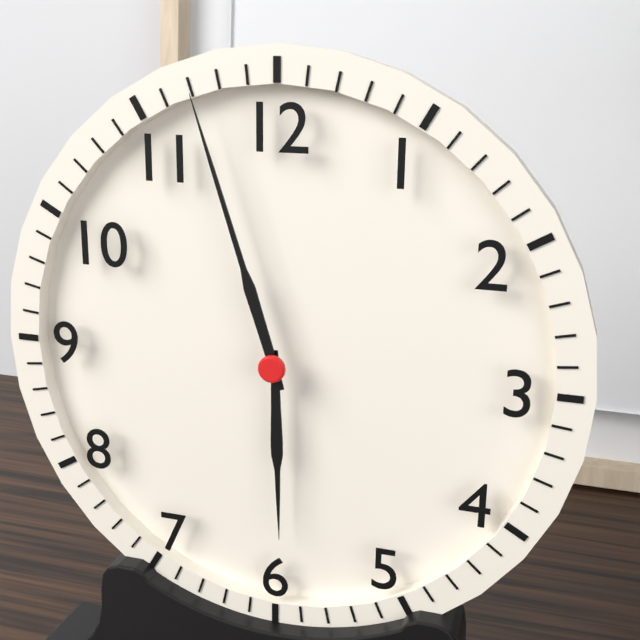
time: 5:57
